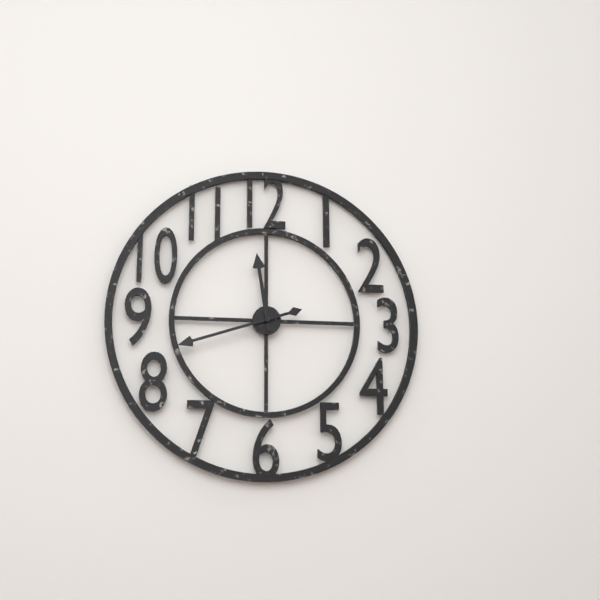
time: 11:42
